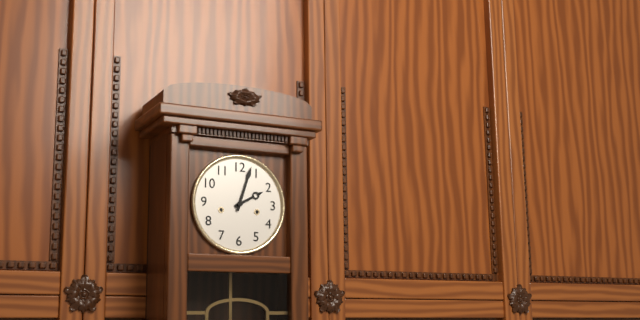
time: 2:03
